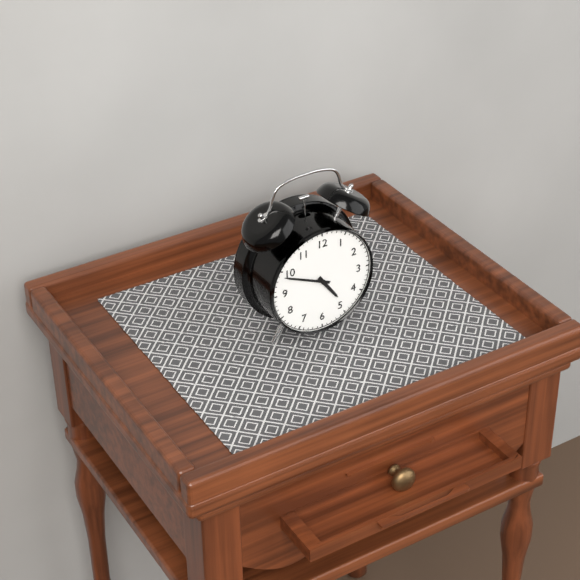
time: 4:49
